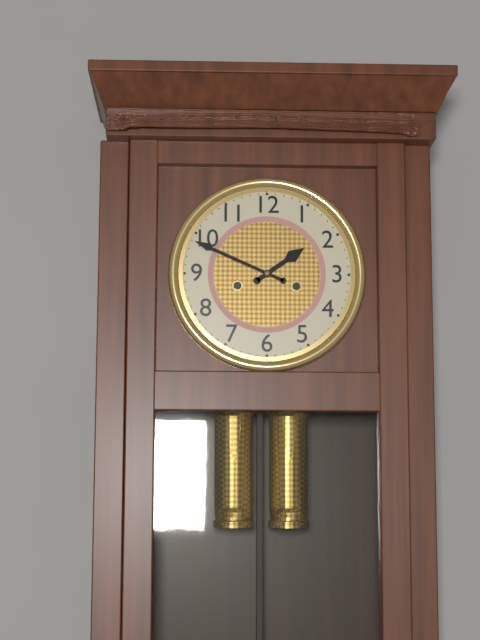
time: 1:49
